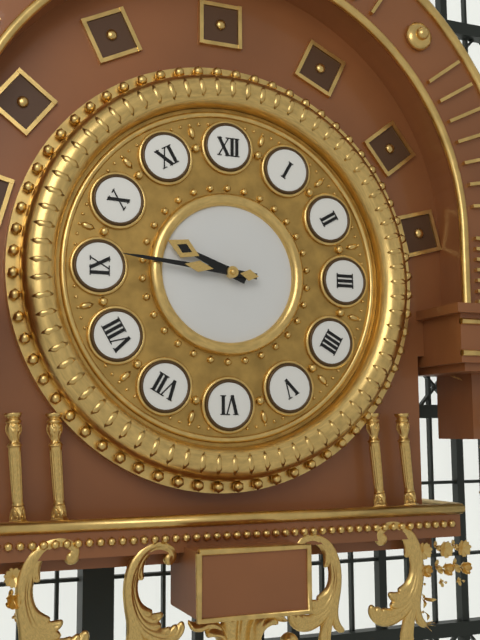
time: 9:46
